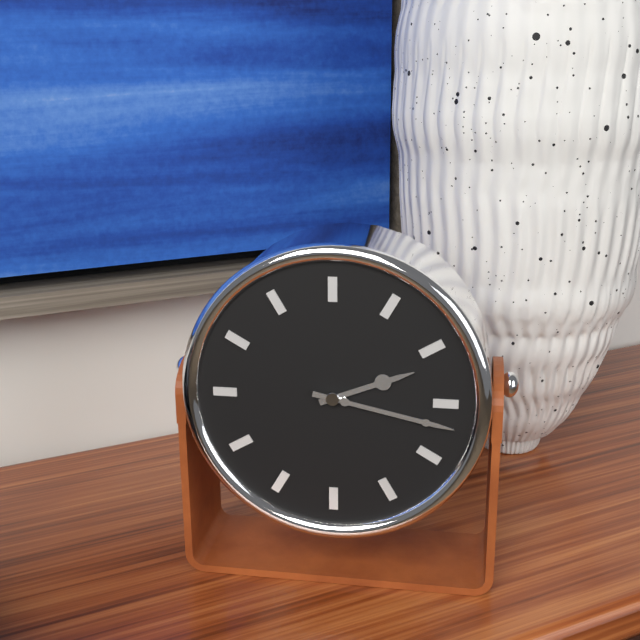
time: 2:17
